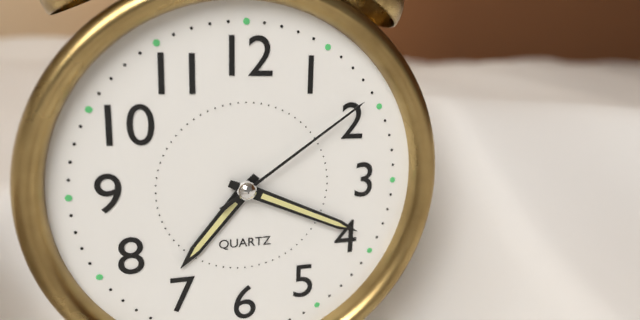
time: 7:19:09
